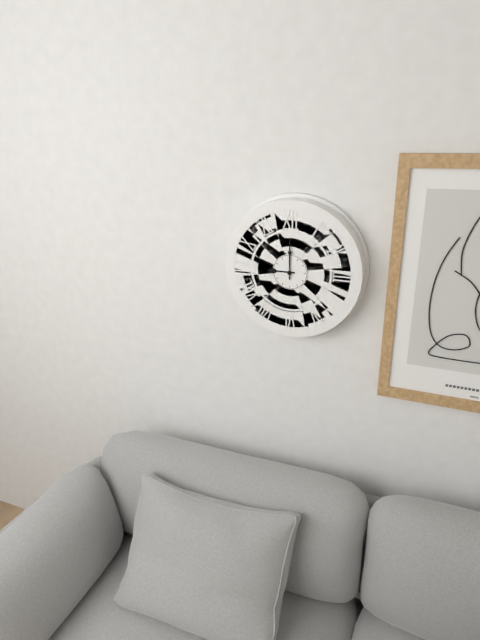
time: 9:00
